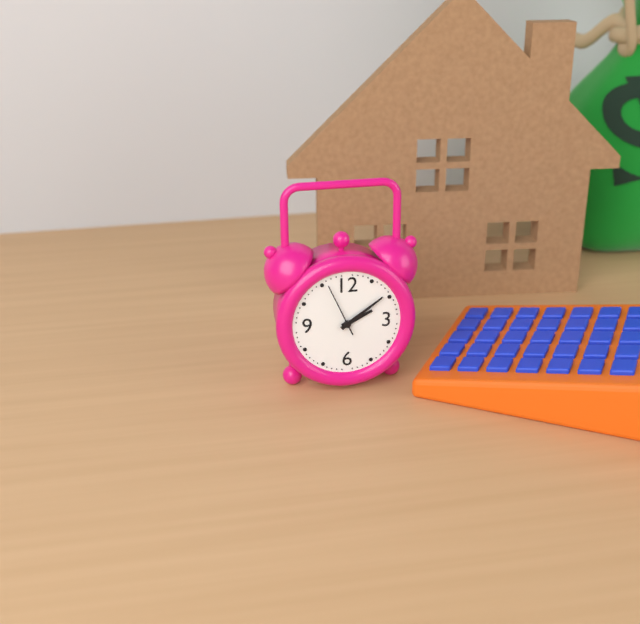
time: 2:09:56
